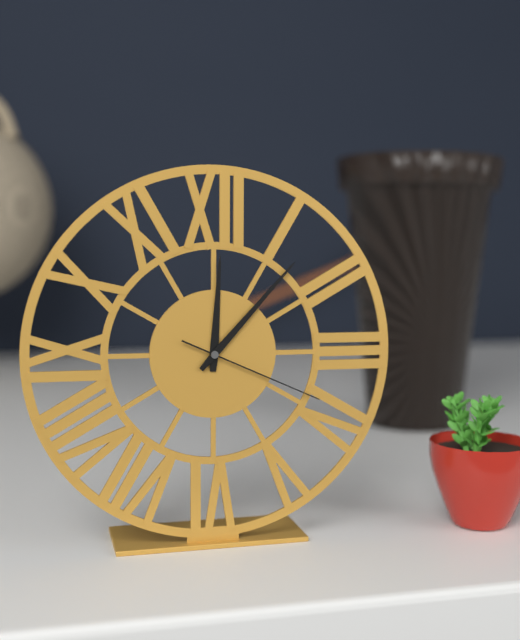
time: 12:07:19
